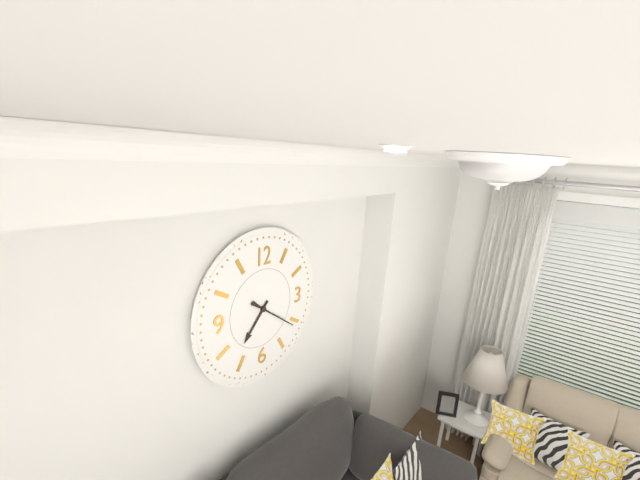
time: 7:21
